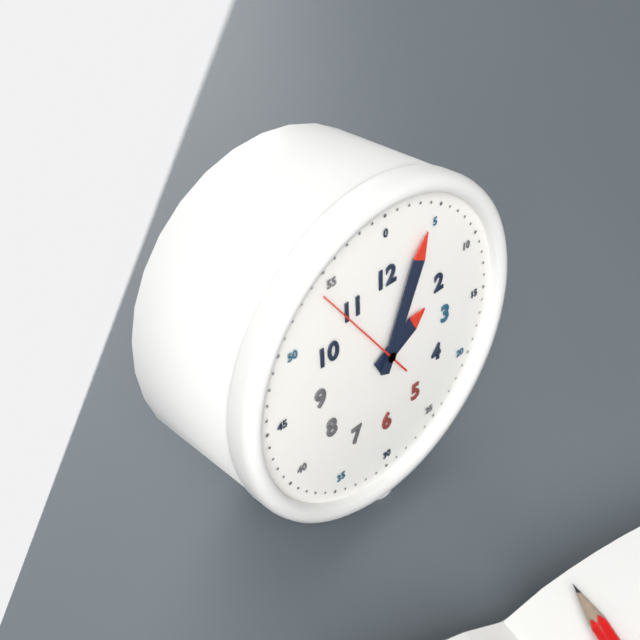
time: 2:04:54
